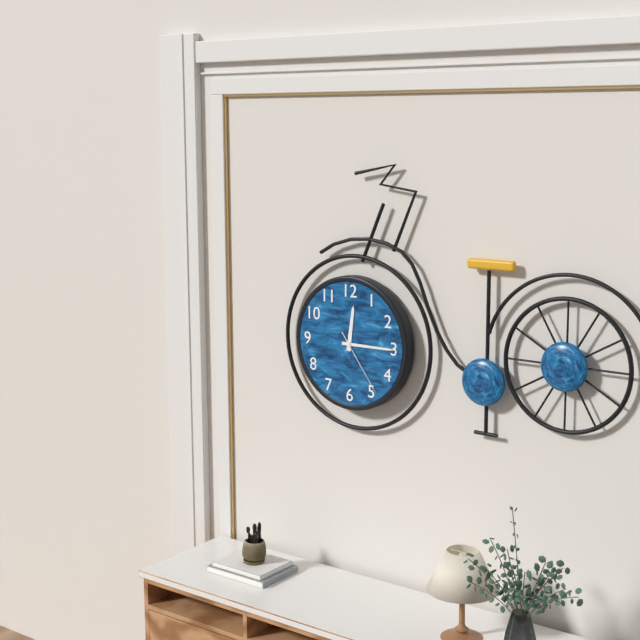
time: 12:15:24
